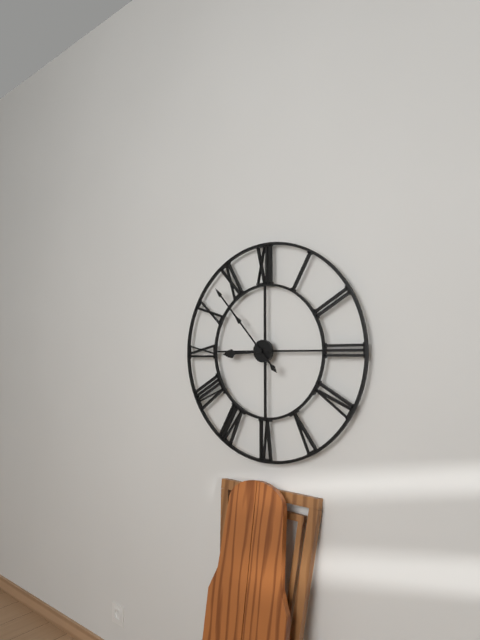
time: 8:53
